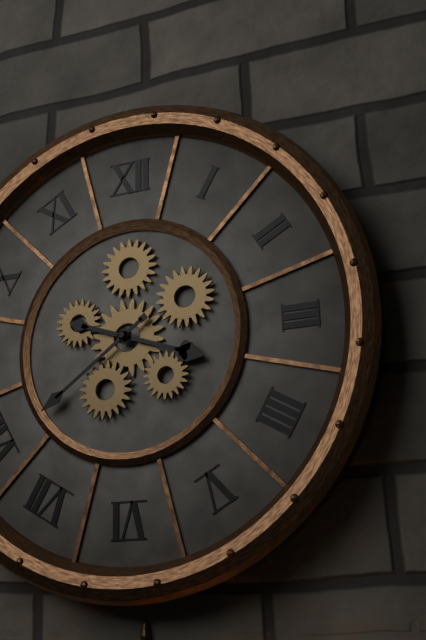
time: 3:39
